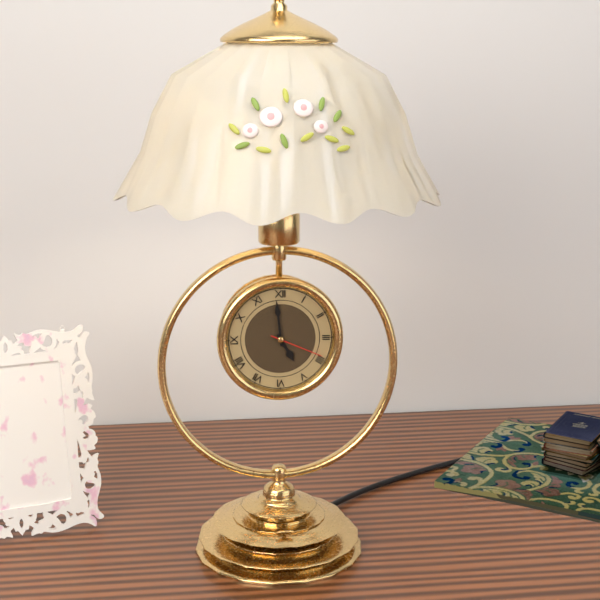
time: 4:59:19
